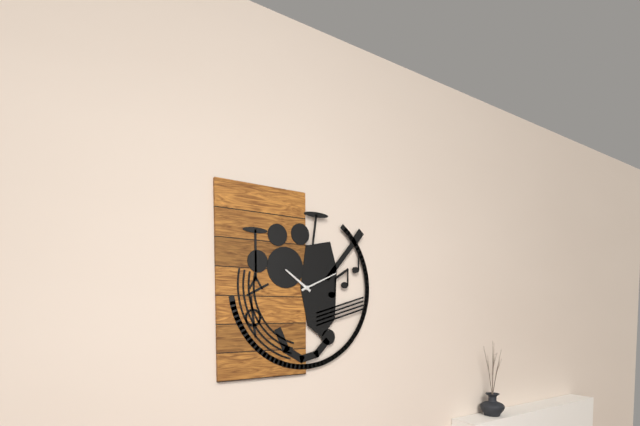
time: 10:11
